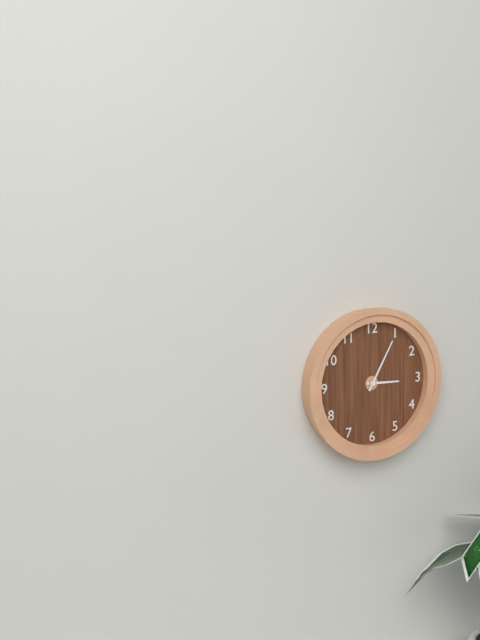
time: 3:05
